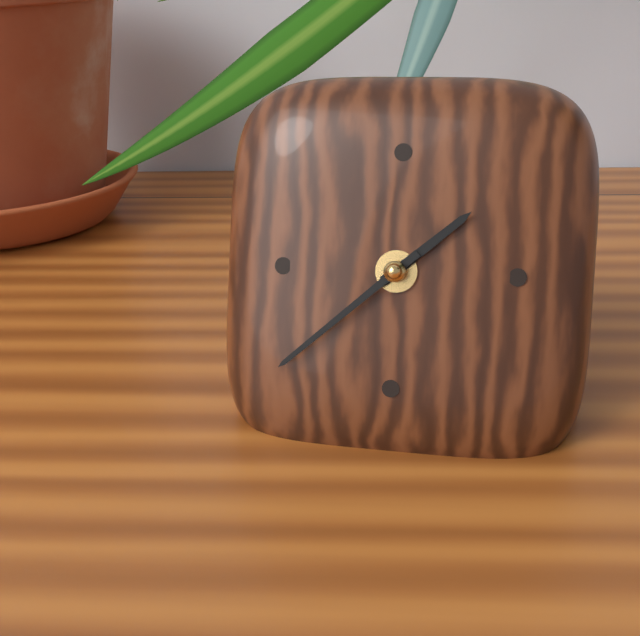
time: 1:38
